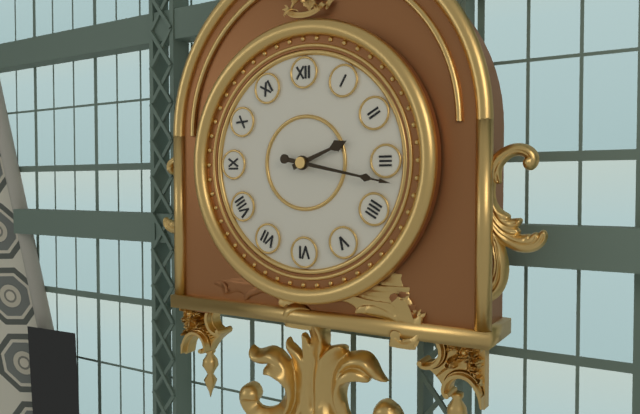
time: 2:17
